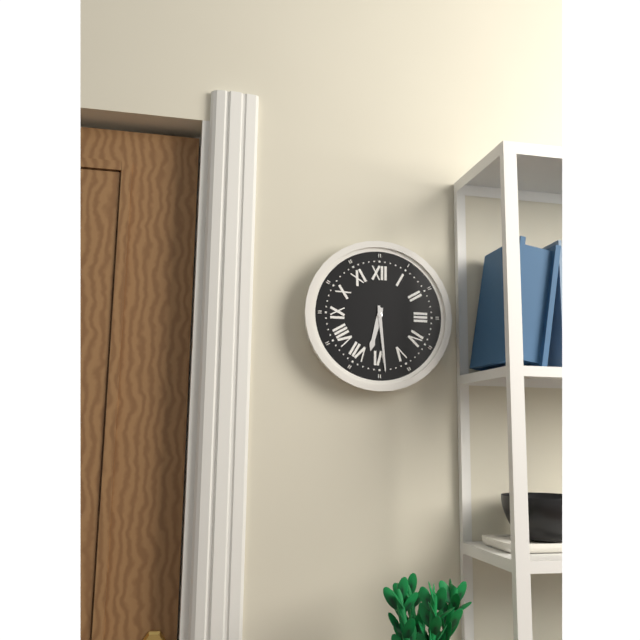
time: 6:29
